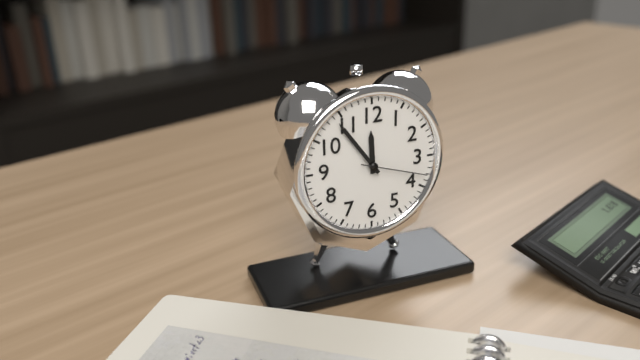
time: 11:54:18
